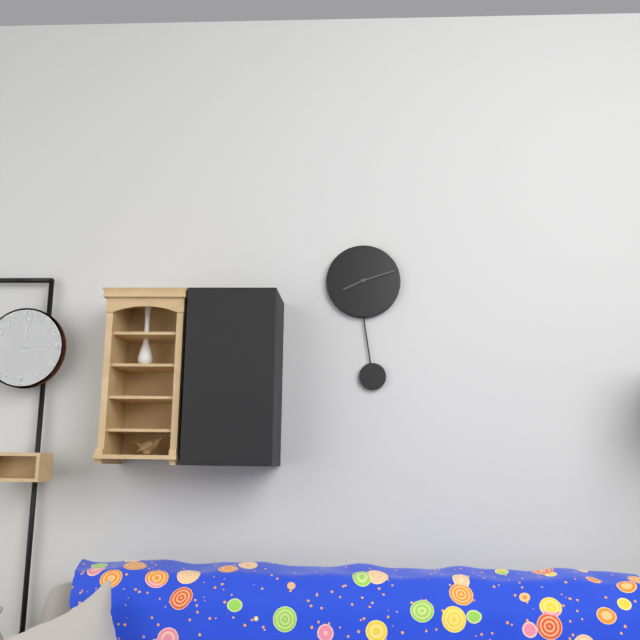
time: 8:12
